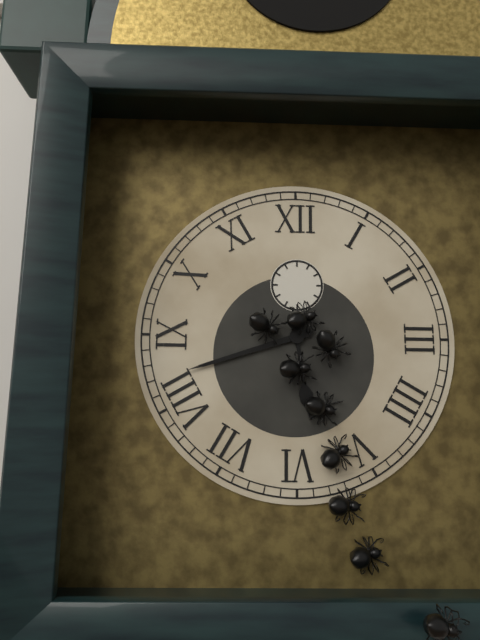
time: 5:42
